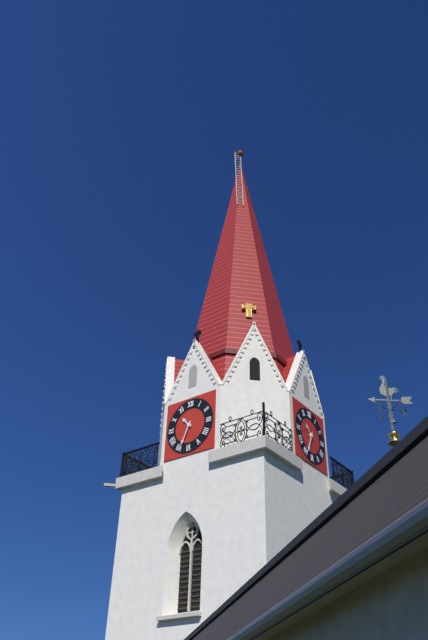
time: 10:34
